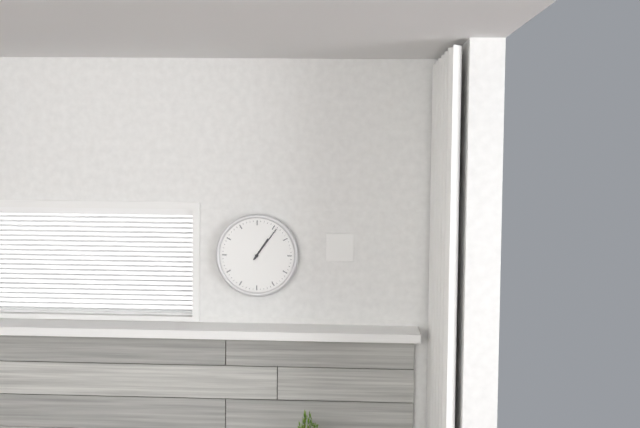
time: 1:06
